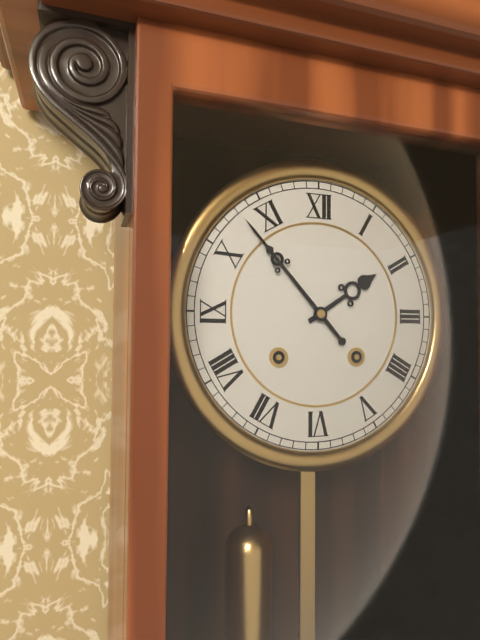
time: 1:53
